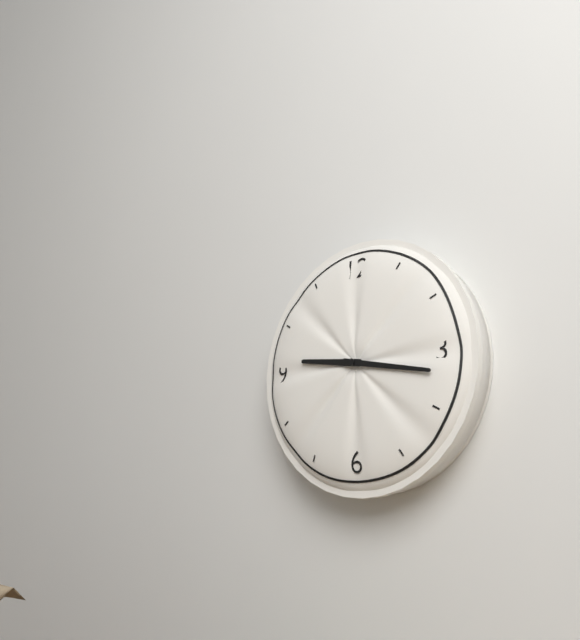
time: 9:17
